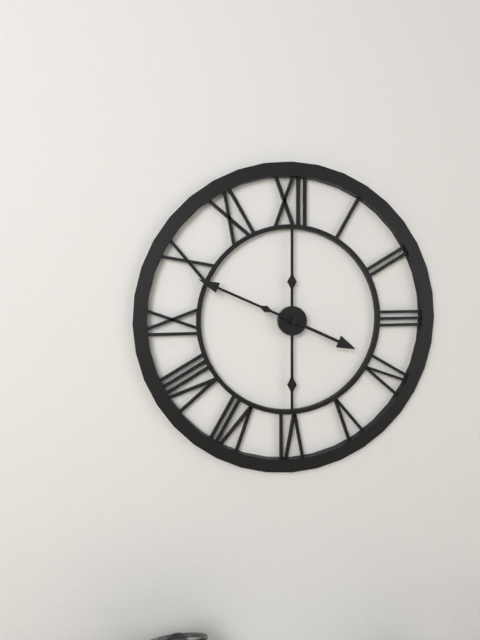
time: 3:49
